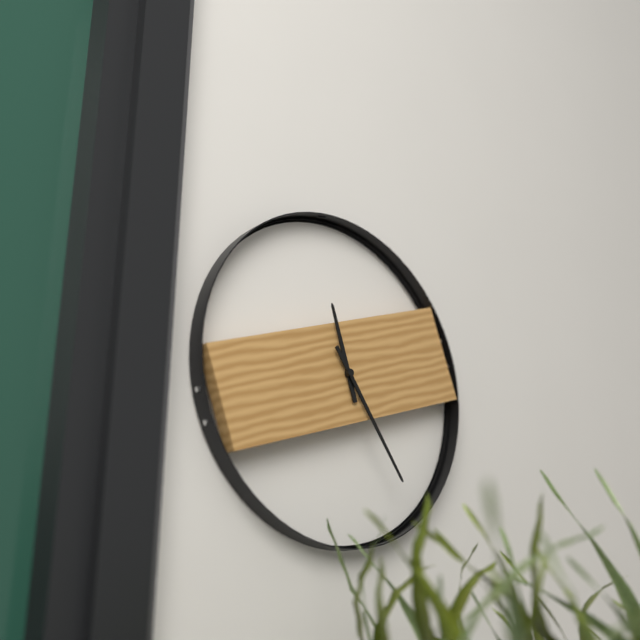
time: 11:24
